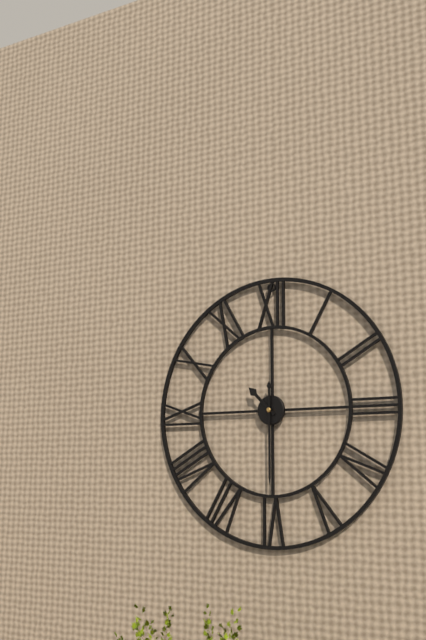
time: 10:30
